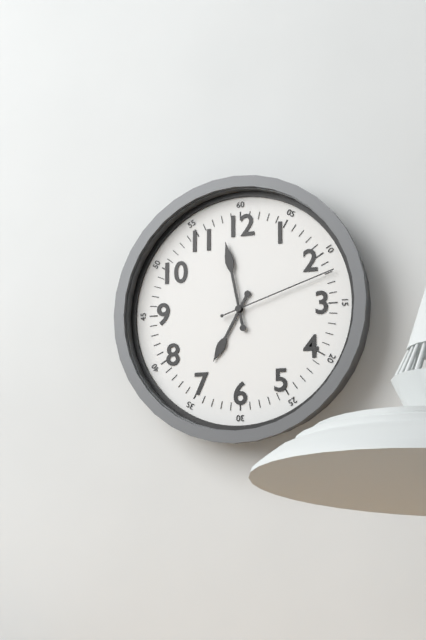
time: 6:58:12
